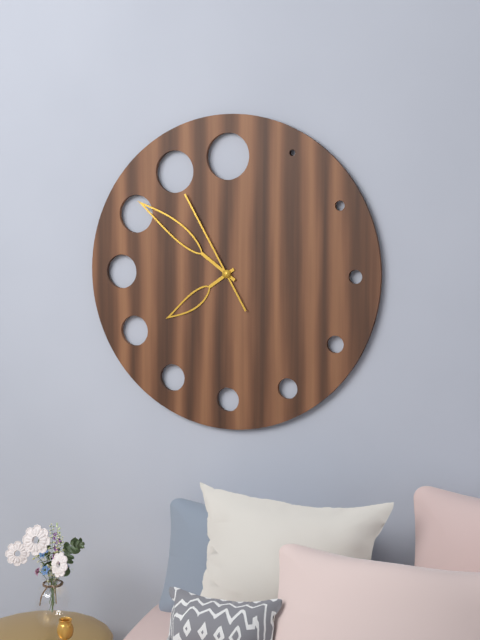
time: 7:51:55
